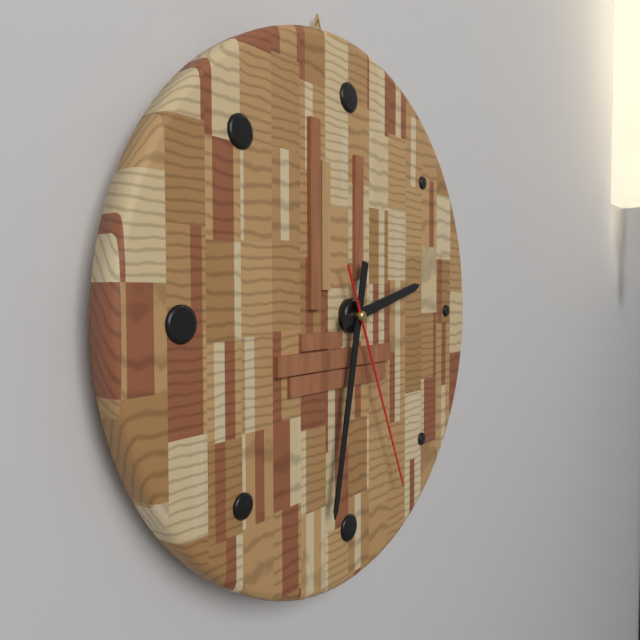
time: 2:32:26
